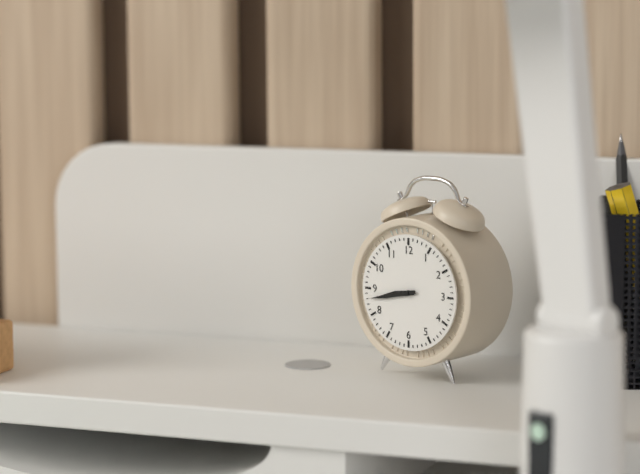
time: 8:43
